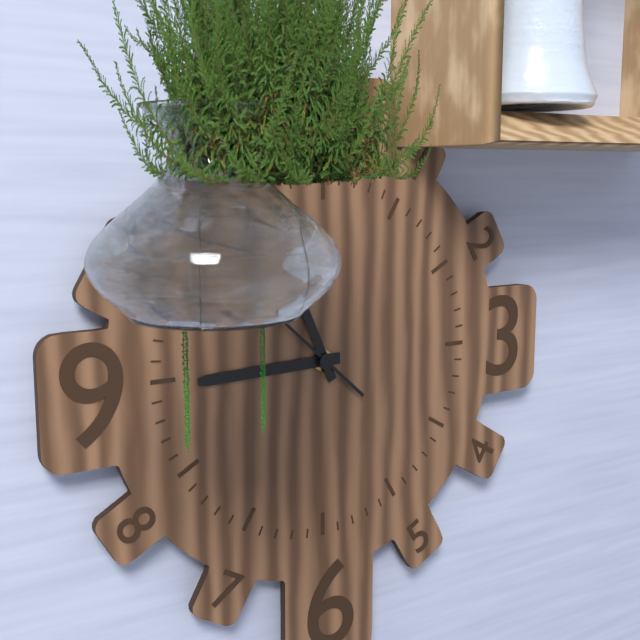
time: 8:56:52
